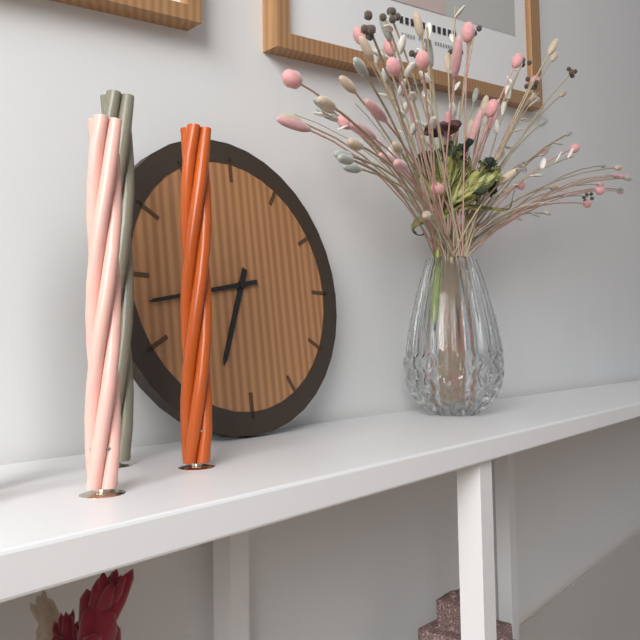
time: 6:43
